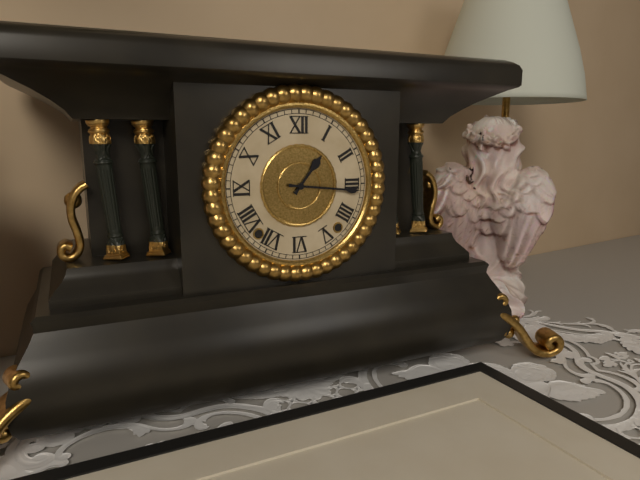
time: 1:16
